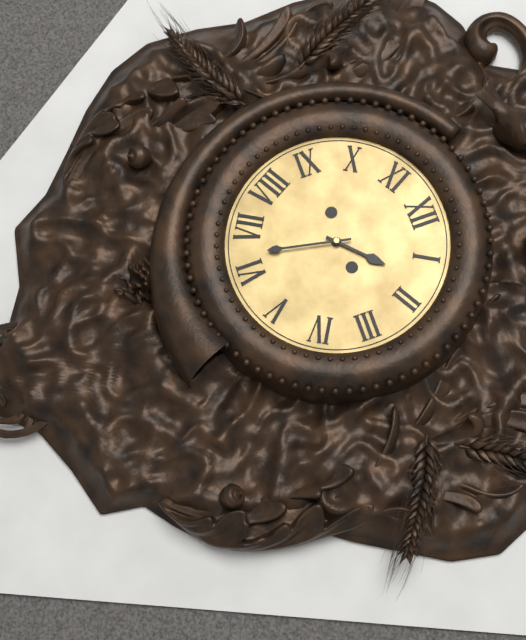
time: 1:32
